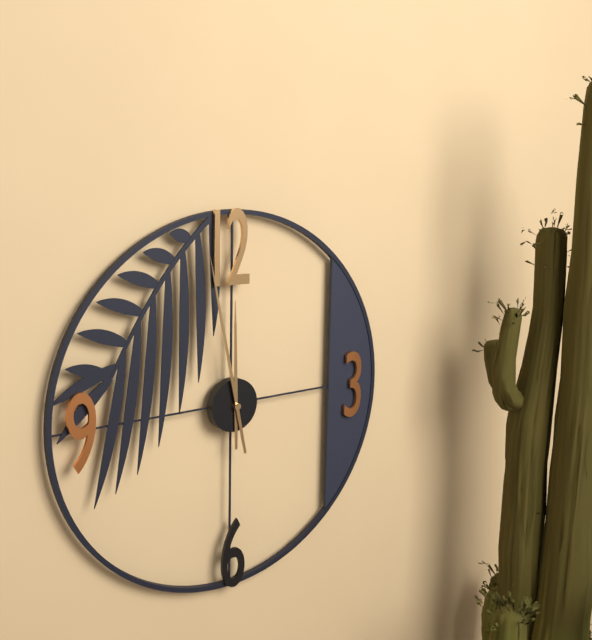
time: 11:58
